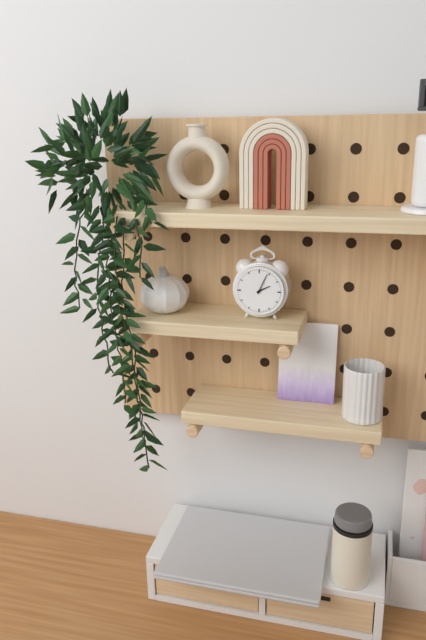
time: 2:04
